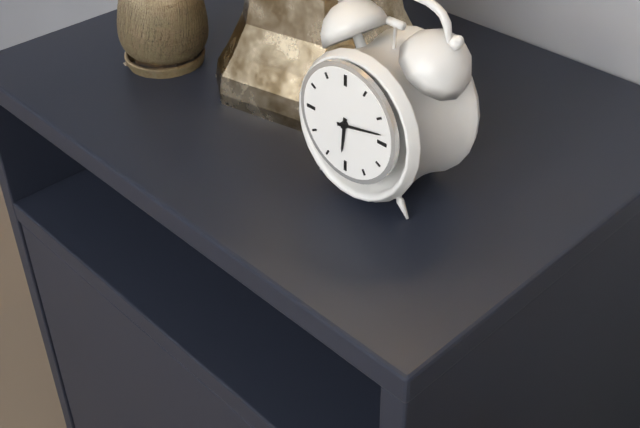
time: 6:13
